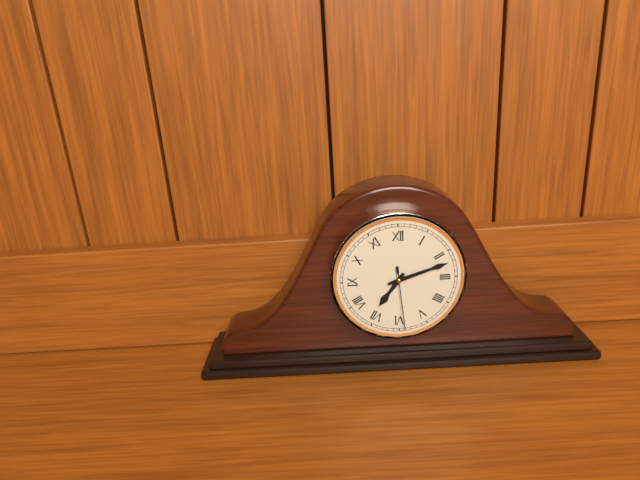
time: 7:12:29
